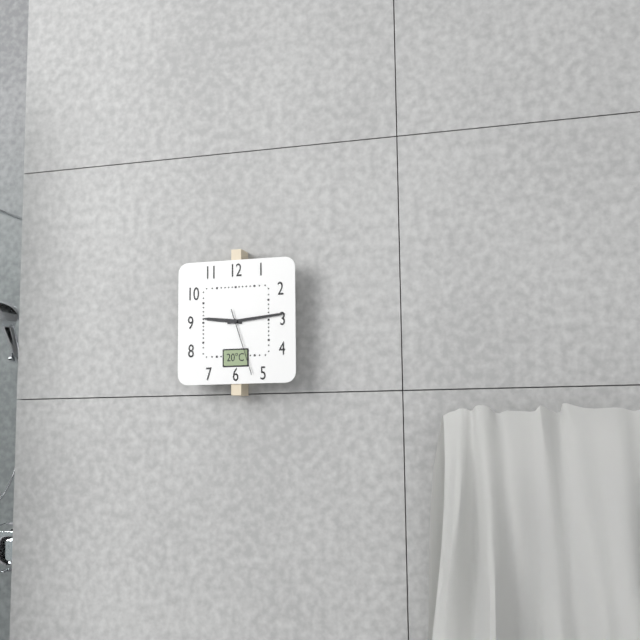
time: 9:14:27
